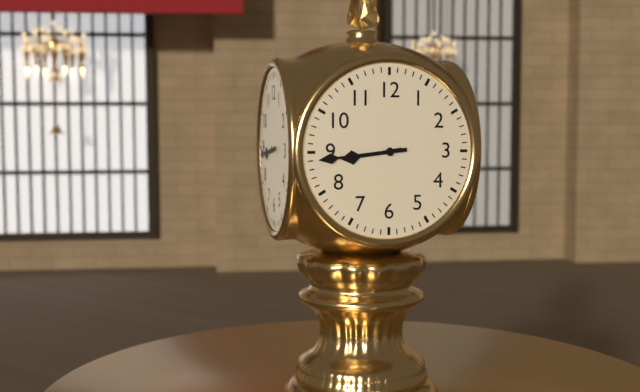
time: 8:44
